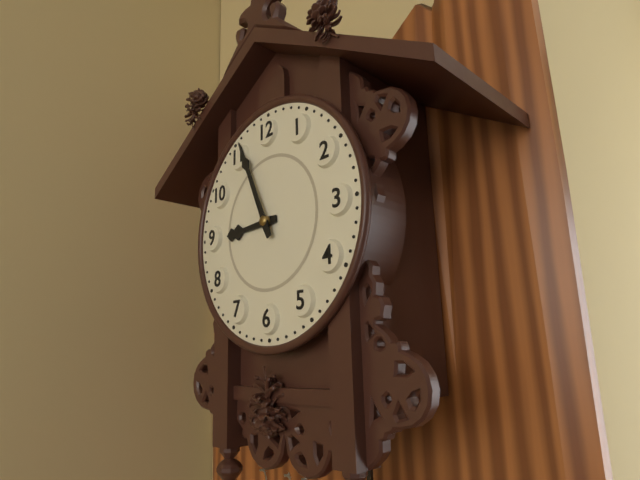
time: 8:56
